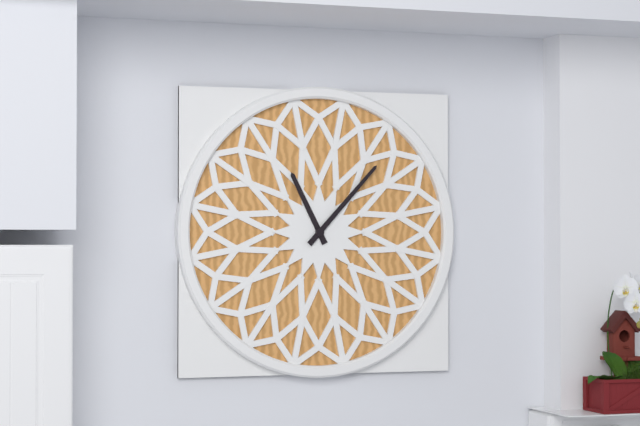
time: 11:07
